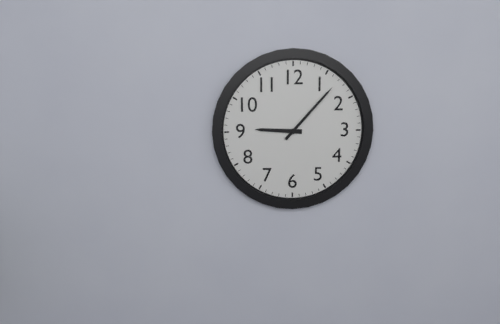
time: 9:07
